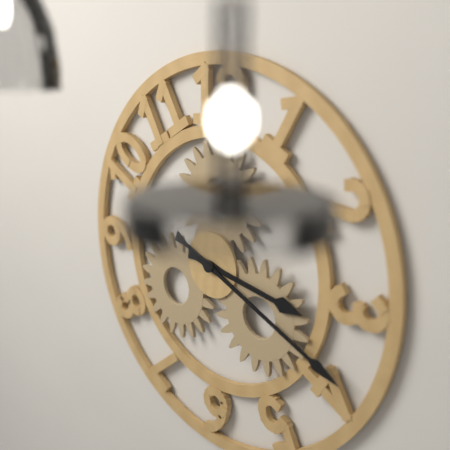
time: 3:19
